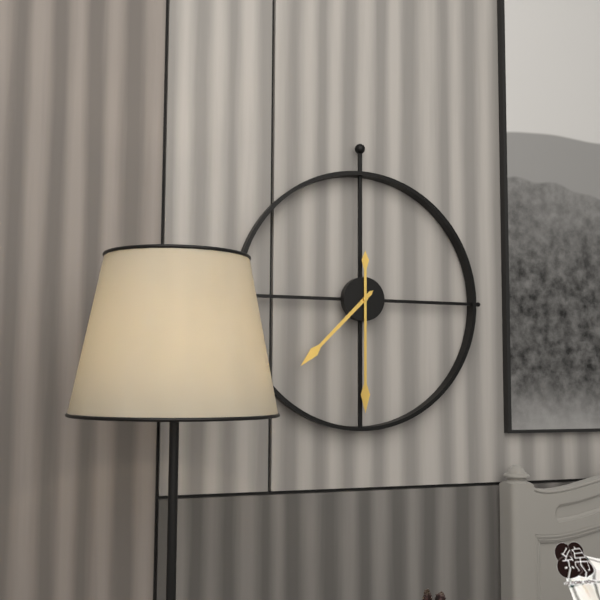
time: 7:30
